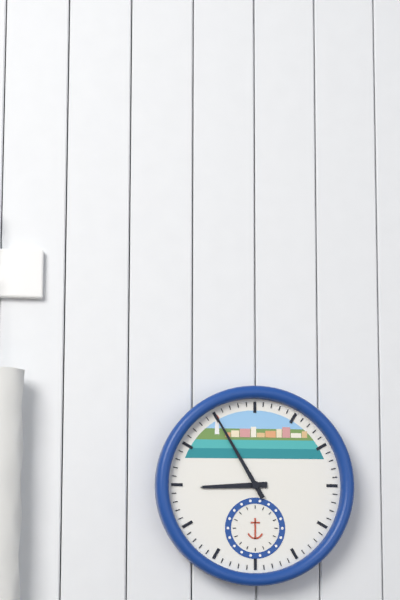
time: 8:55
